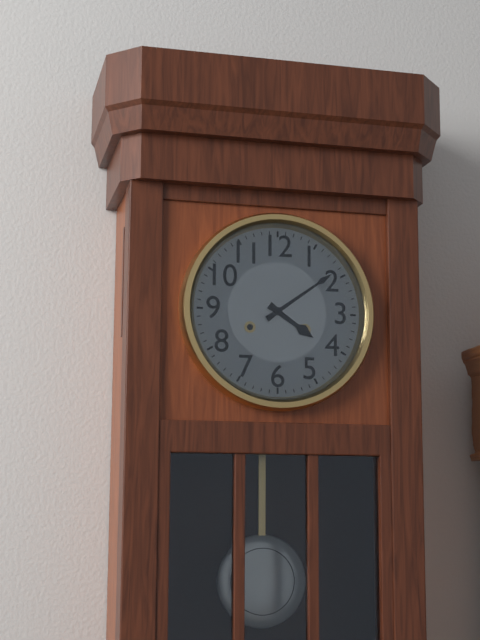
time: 4:09
